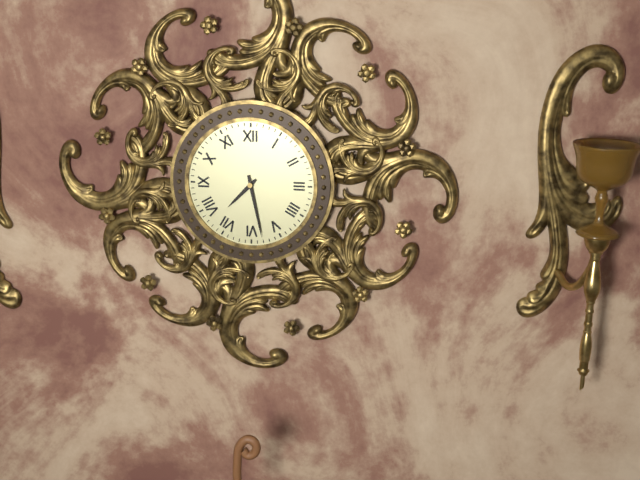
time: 7:28
